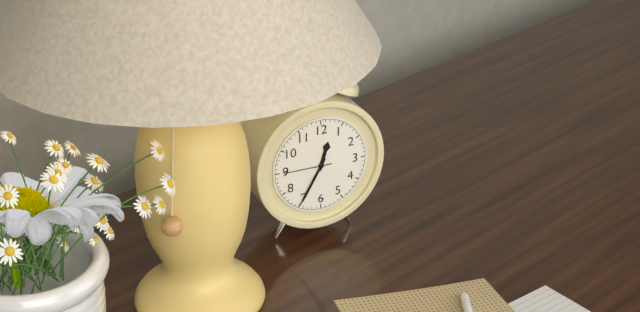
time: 12:35
